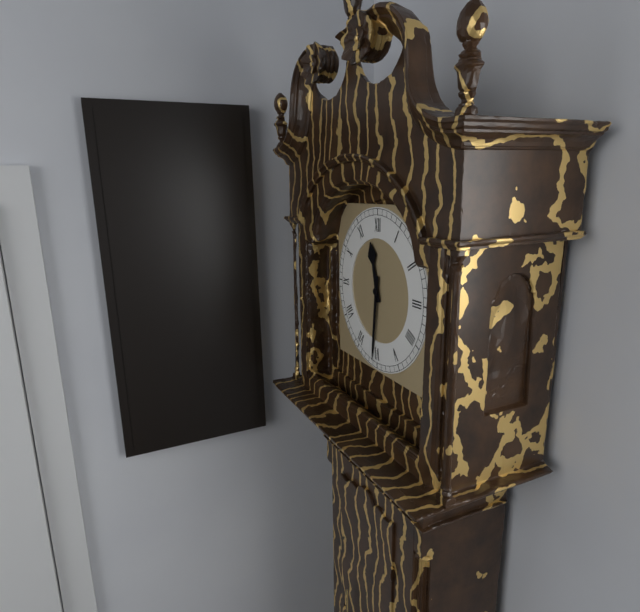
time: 11:31
